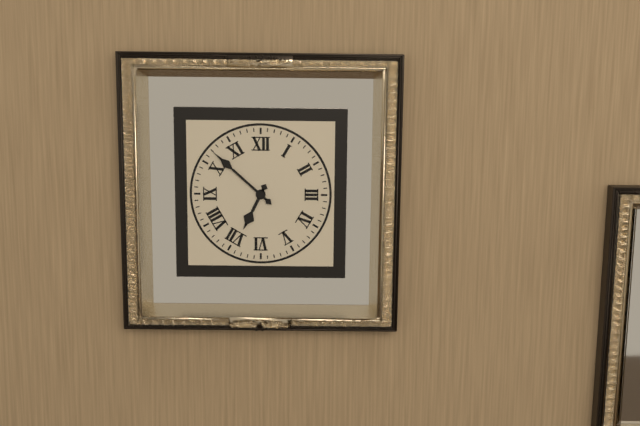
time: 6:52
